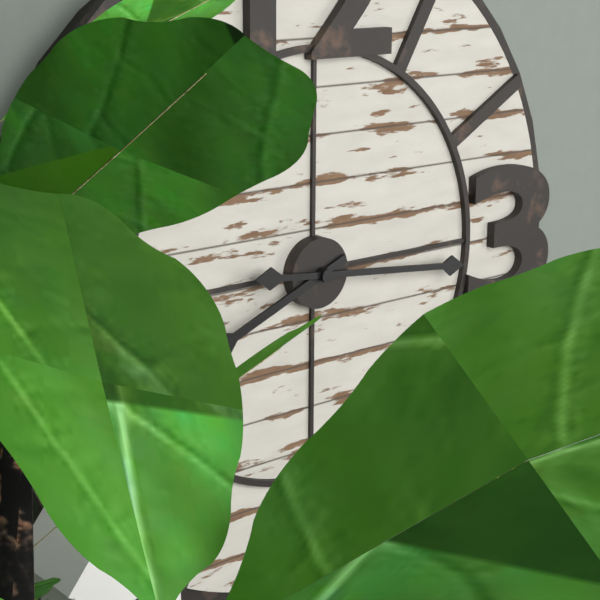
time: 8:16
